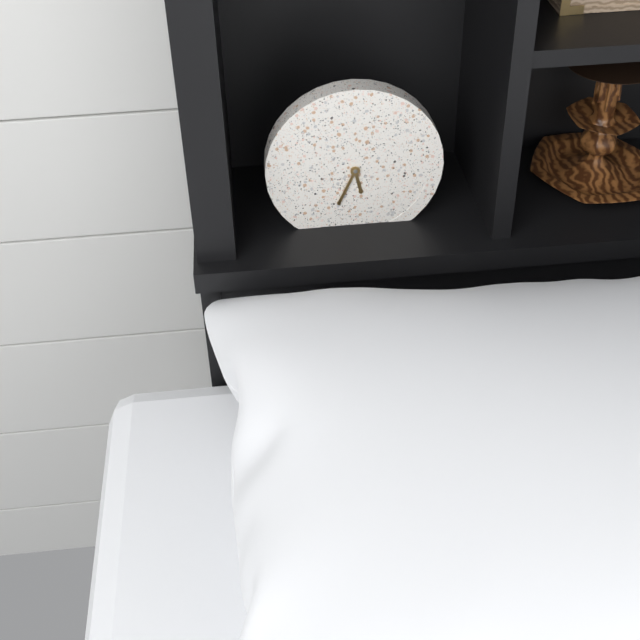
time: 5:34
